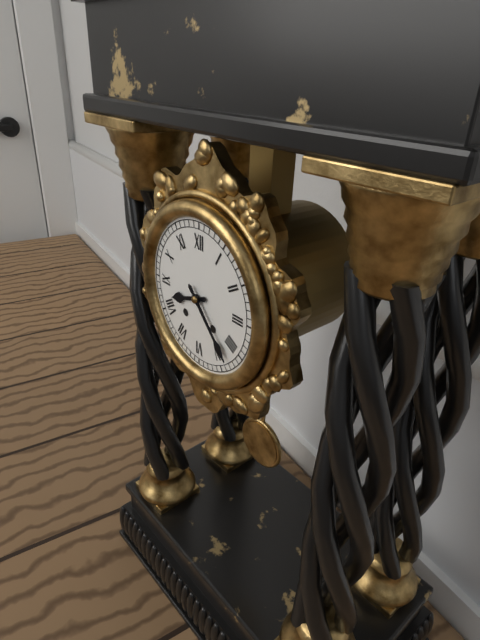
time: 8:23
